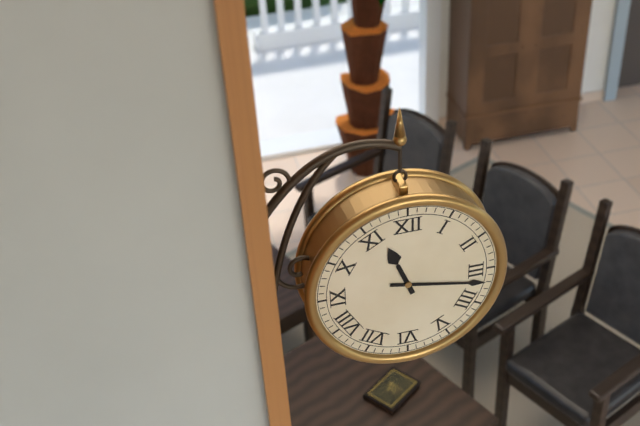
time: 11:17
